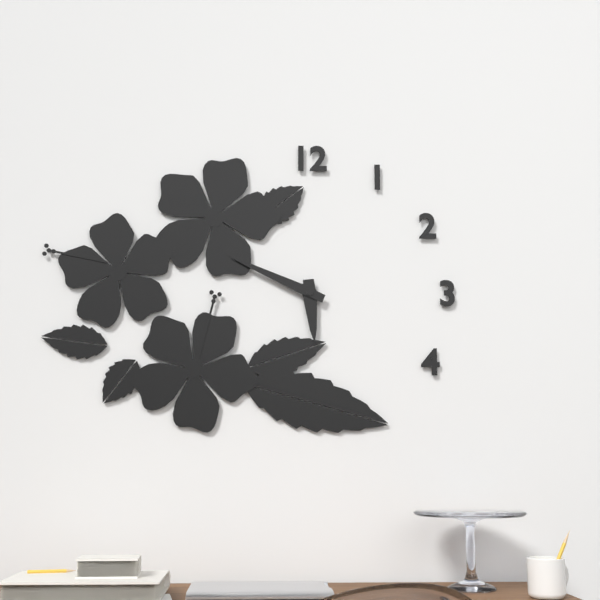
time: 5:49
